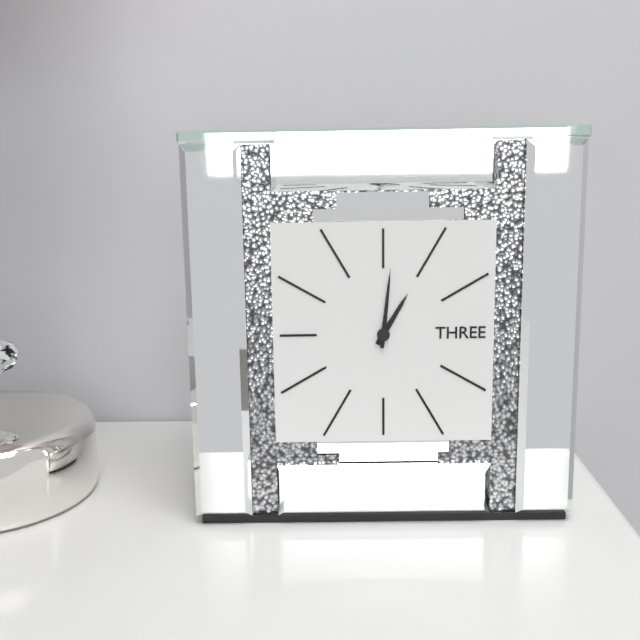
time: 1:01
